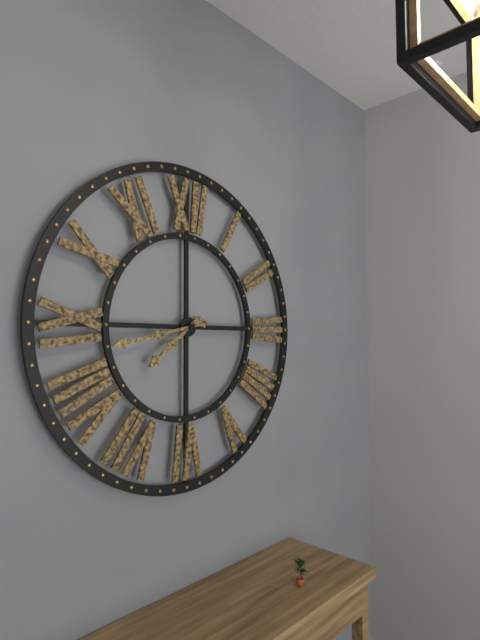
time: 7:43
